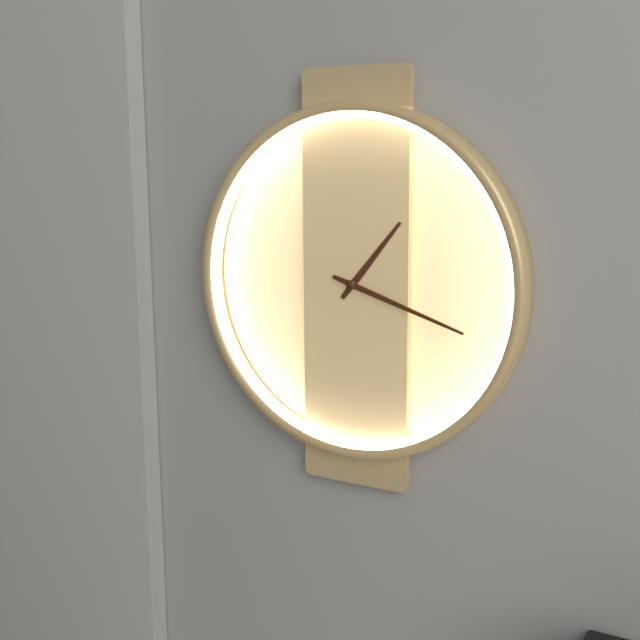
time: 1:18
